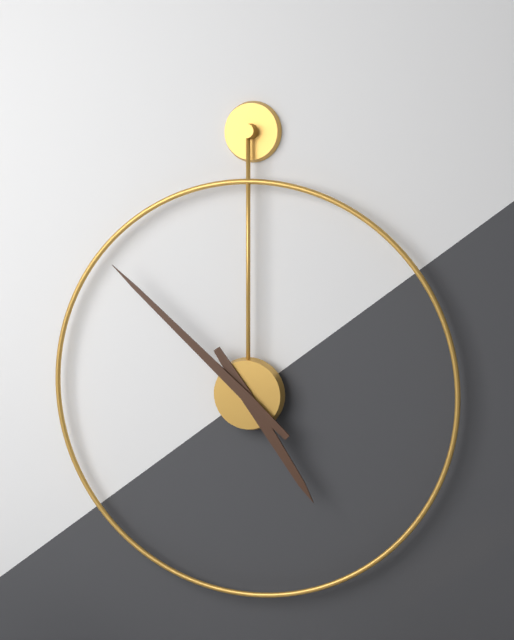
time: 4:52
